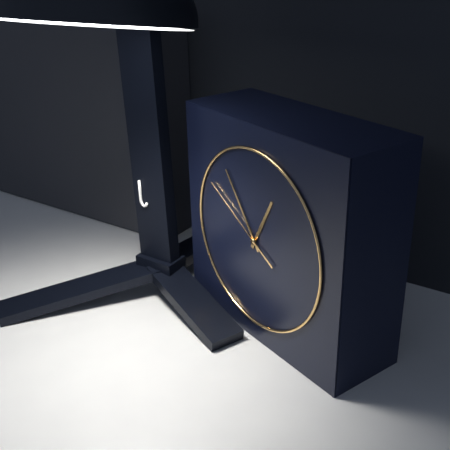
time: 12:54:50
